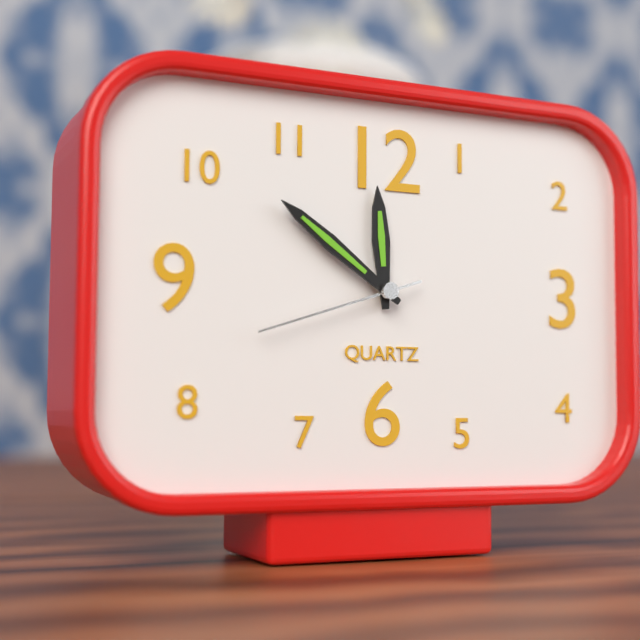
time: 11:51:42
